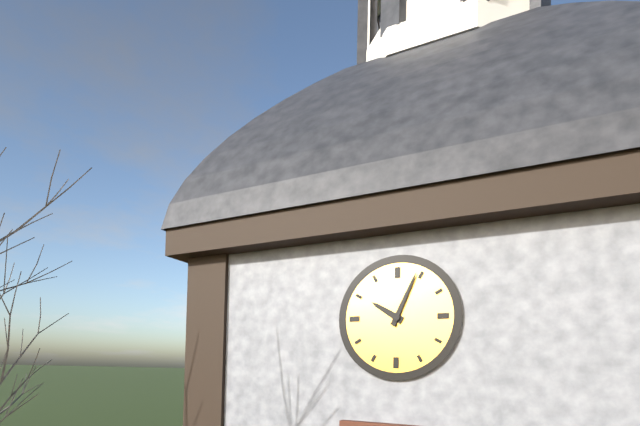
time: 10:04
